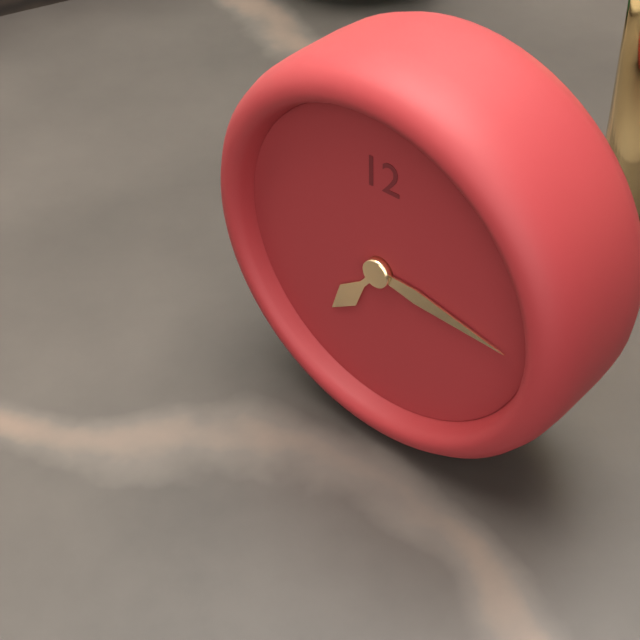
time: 7:16
